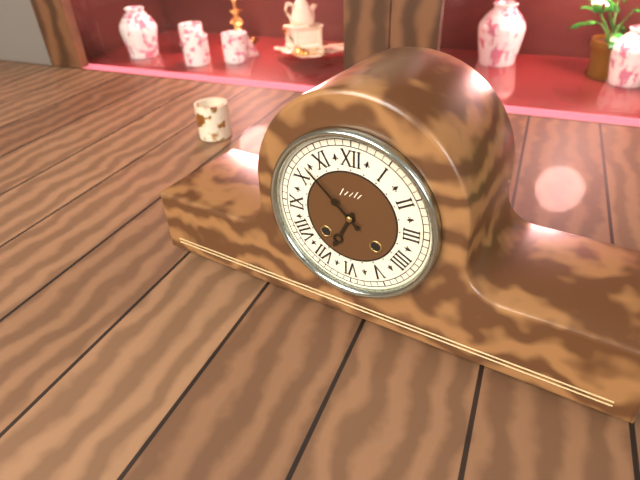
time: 6:52
